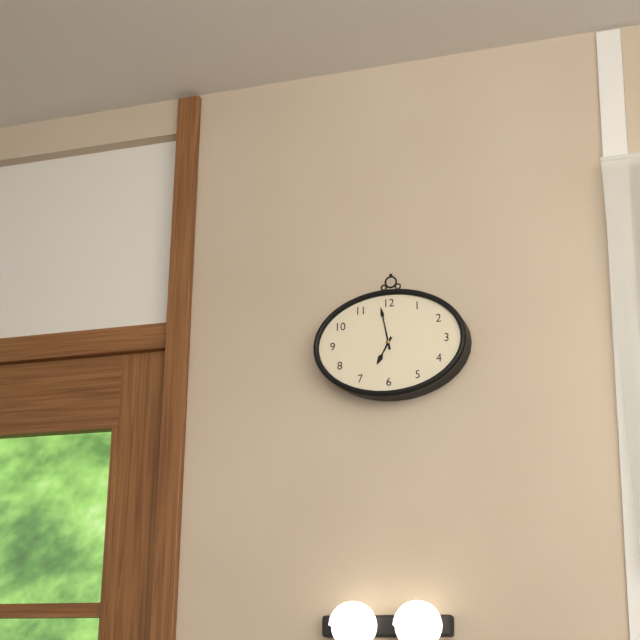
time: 6:58
